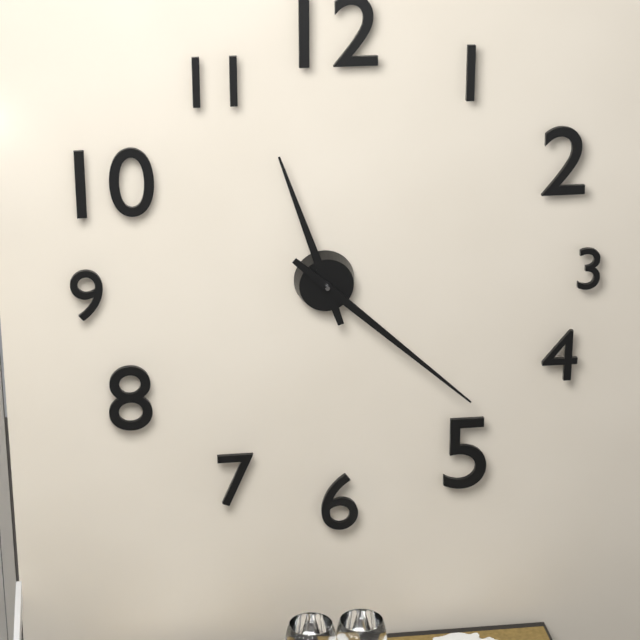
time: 11:22
